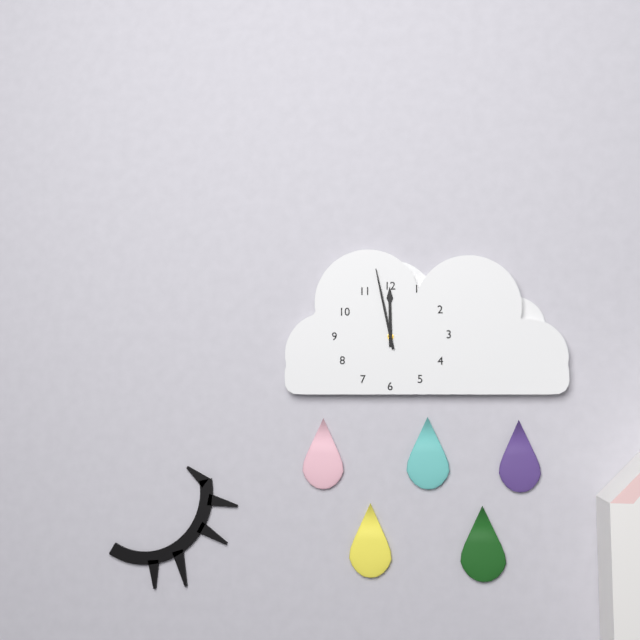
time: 11:58
